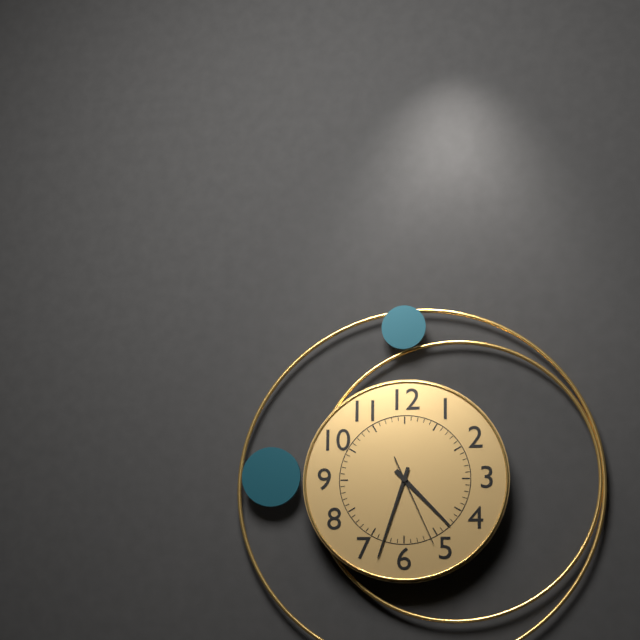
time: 4:33:26
